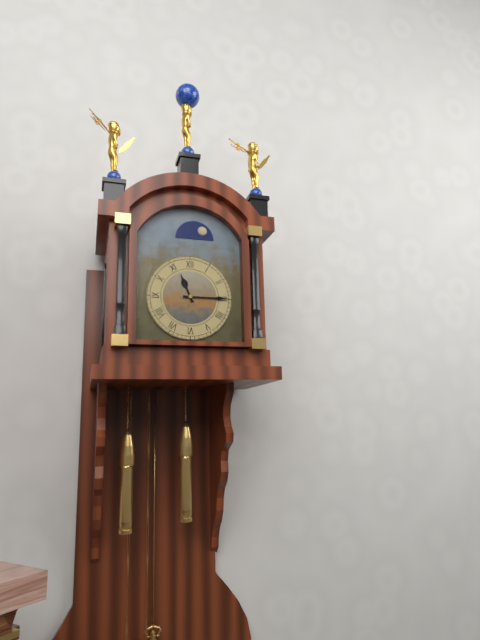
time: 11:15
